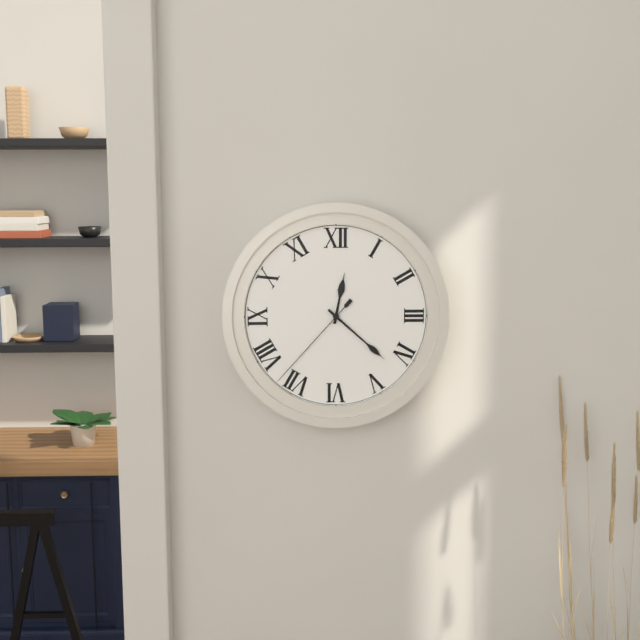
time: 12:22:37
